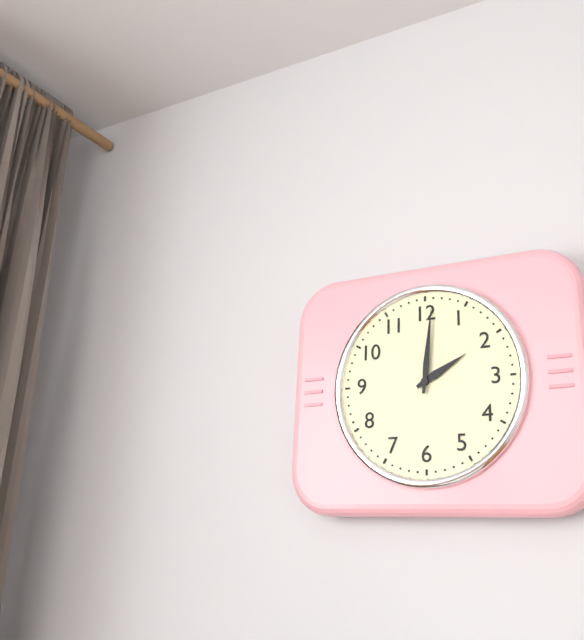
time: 2:01
